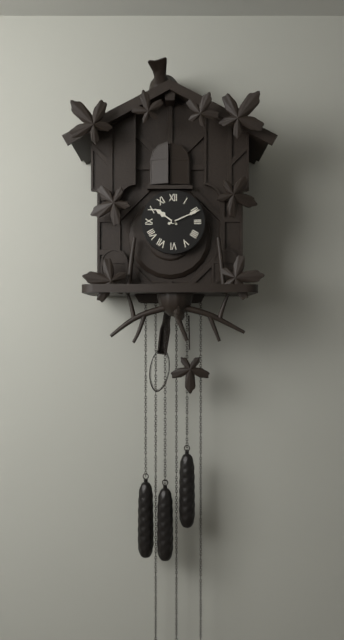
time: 10:11
